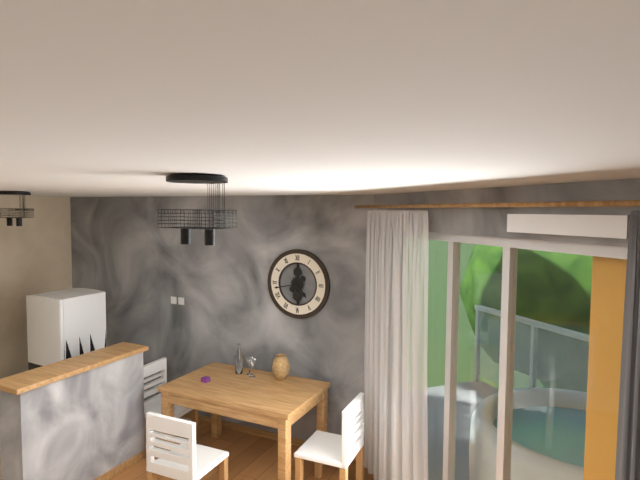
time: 4:43
